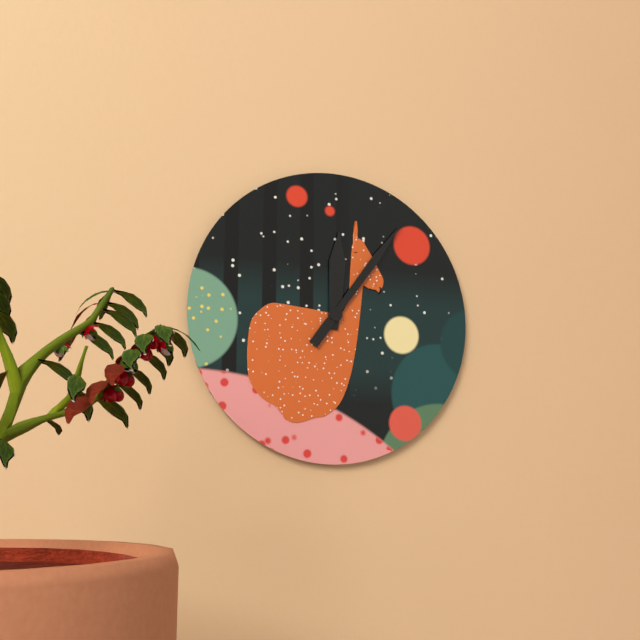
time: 12:06
